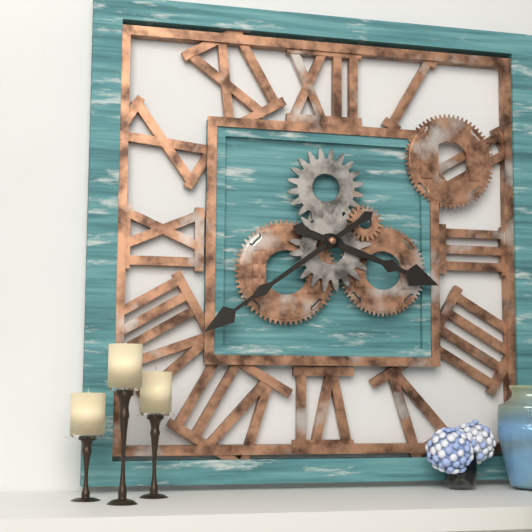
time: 3:39
